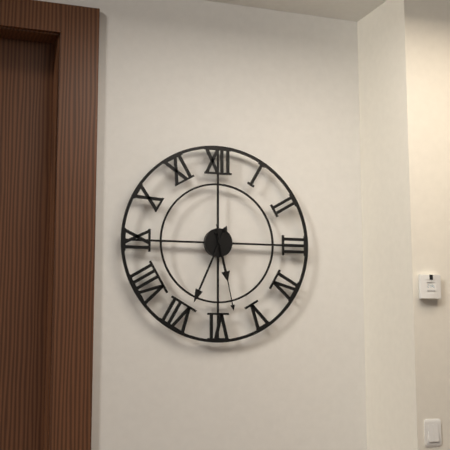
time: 5:34:28
